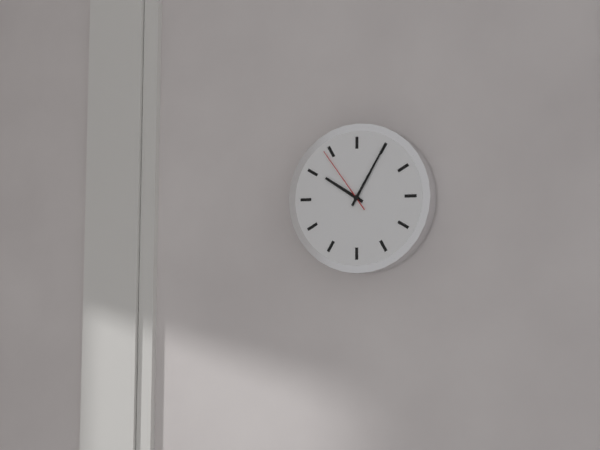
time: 10:05:54
